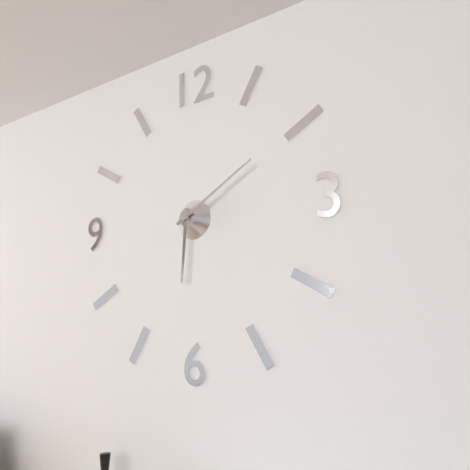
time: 6:10
